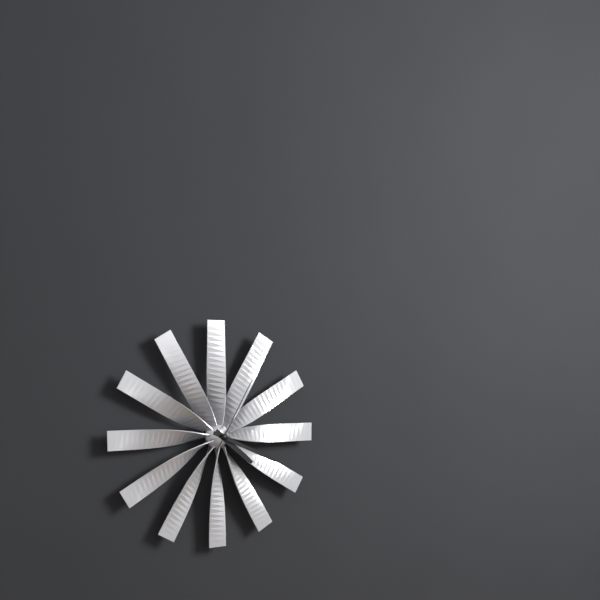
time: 4:19:05
